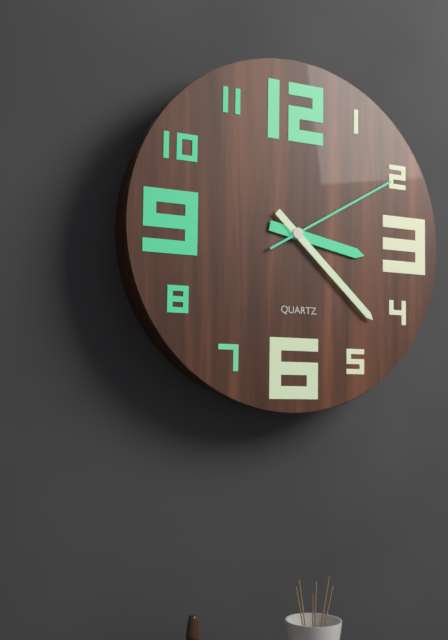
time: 3:22:10
